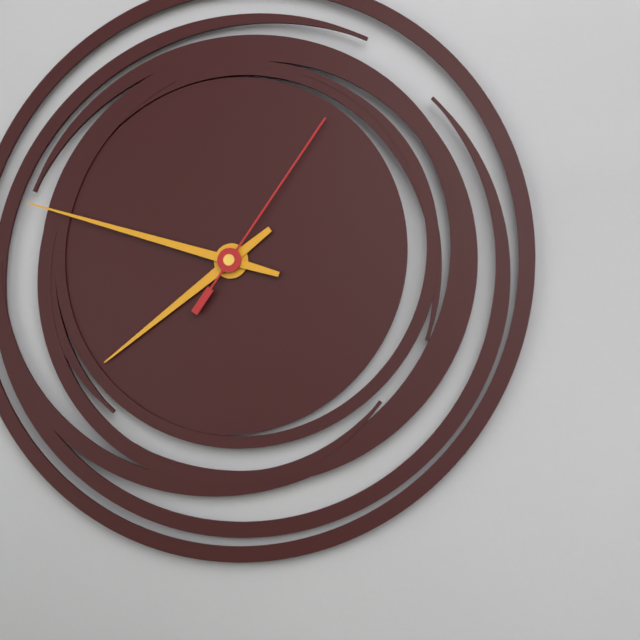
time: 7:48:06
